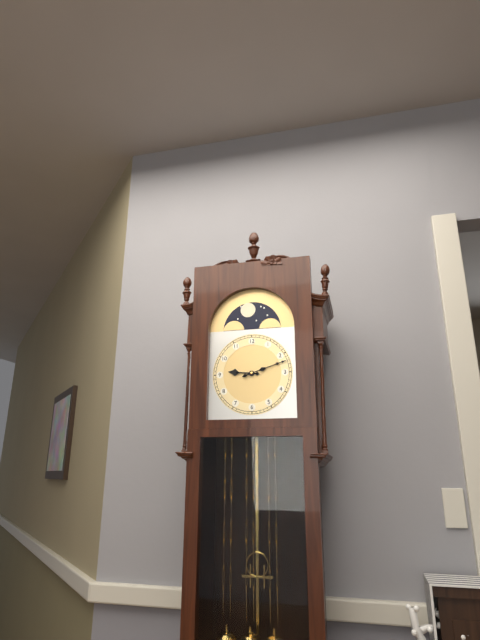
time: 9:12
